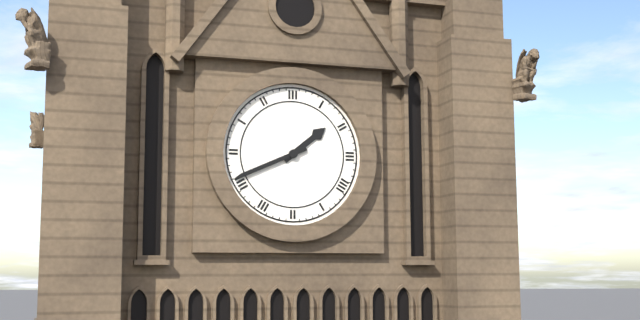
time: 1:41
